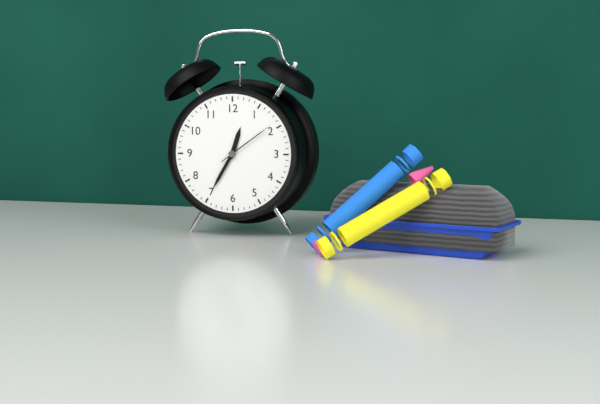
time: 12:35:09
